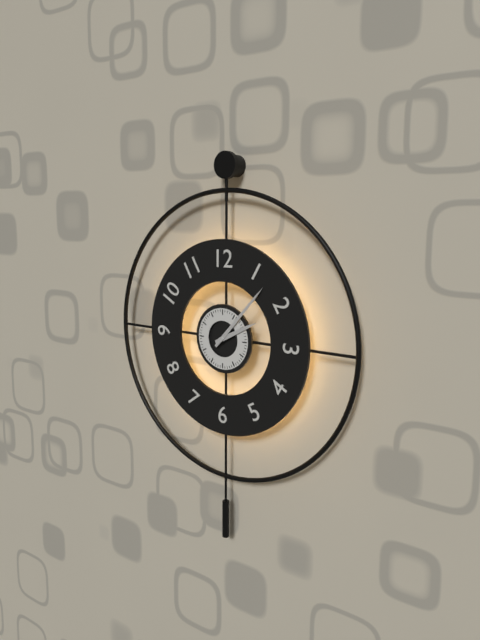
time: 2:07
